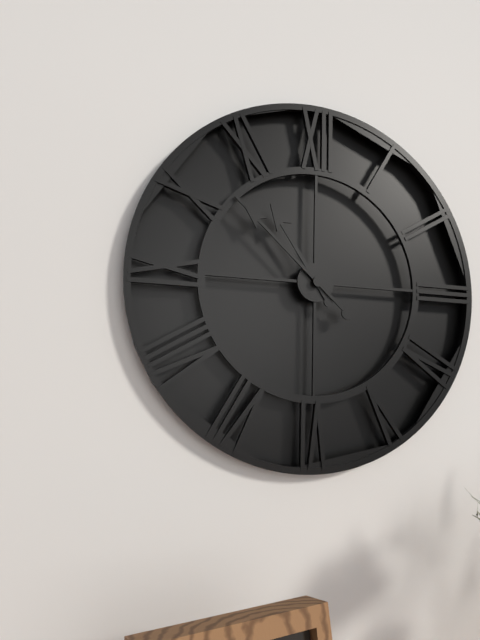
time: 10:52
